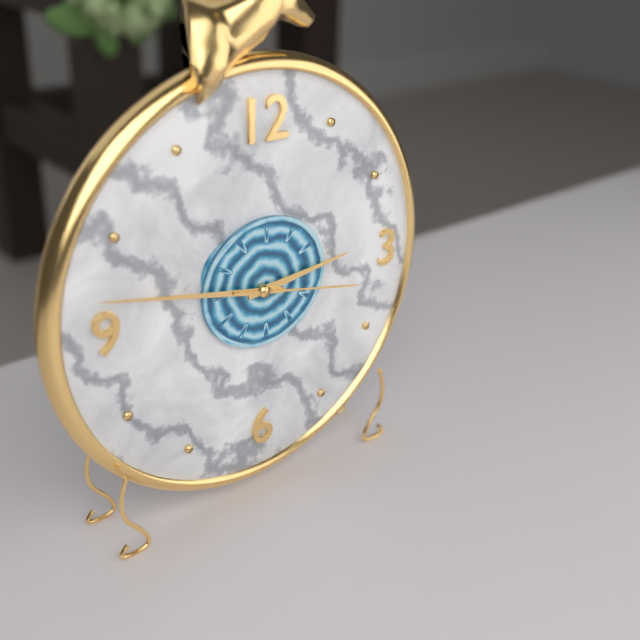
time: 2:47:17
